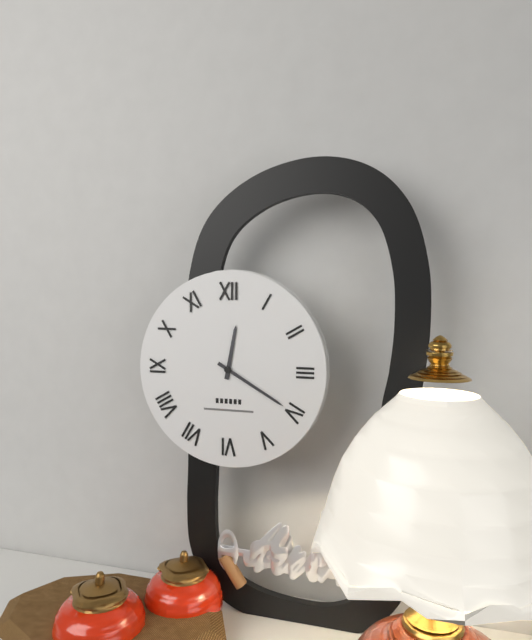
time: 12:20
